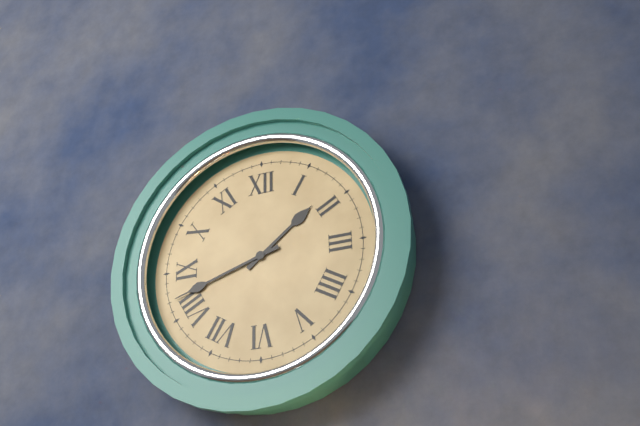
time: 1:42
